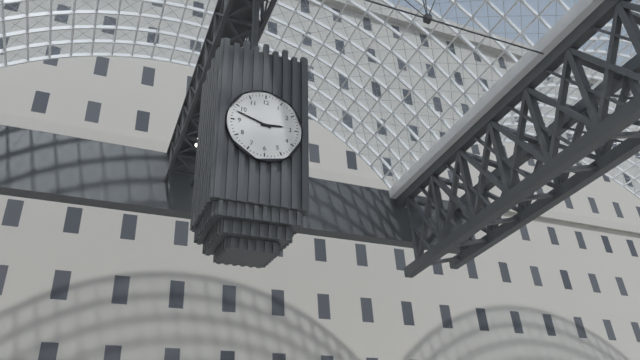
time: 2:48
